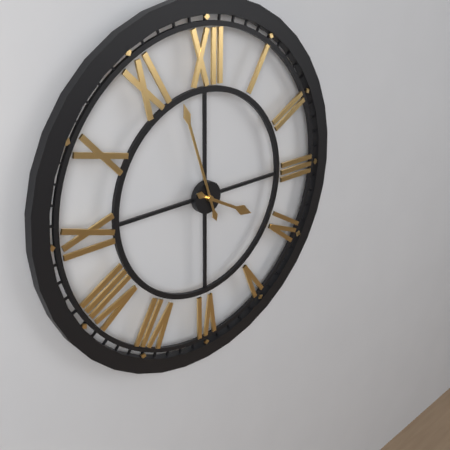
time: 3:57
